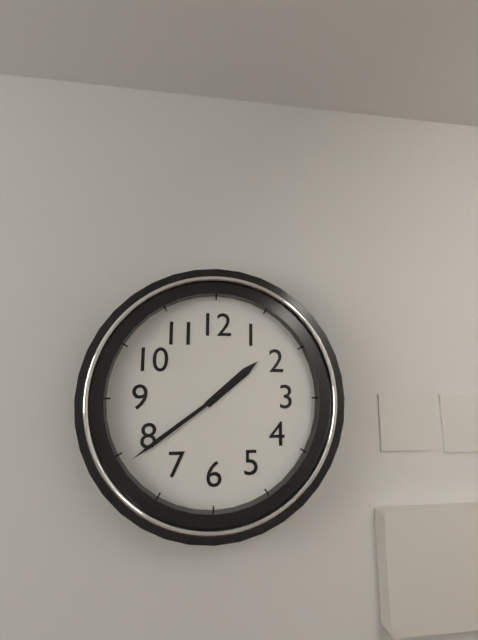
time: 1:39
